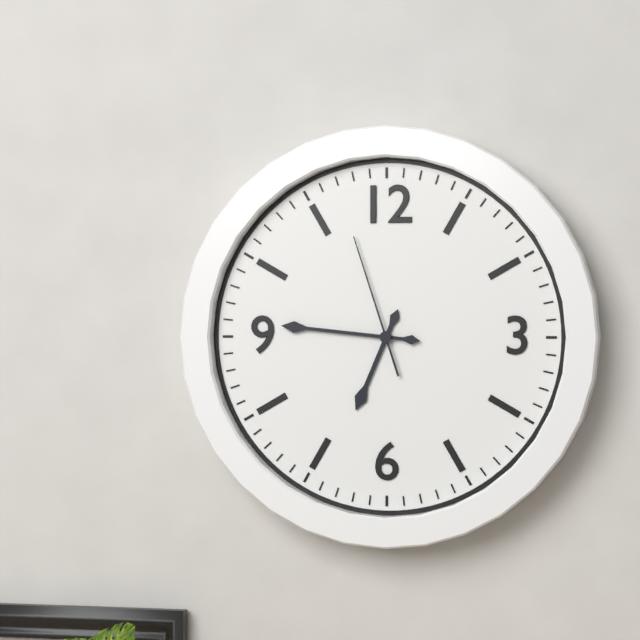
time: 6:46:57
